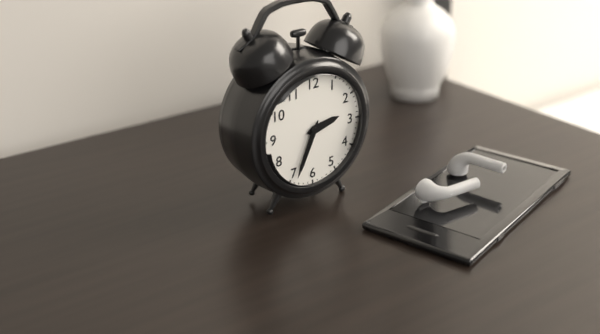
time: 2:34
